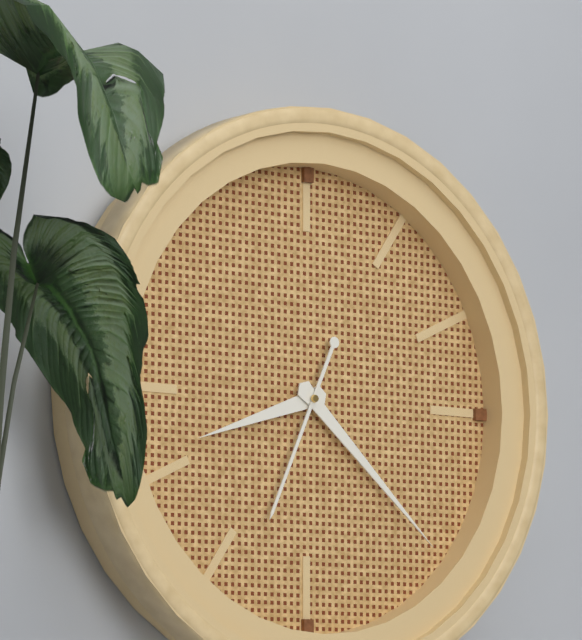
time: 8:22:34
